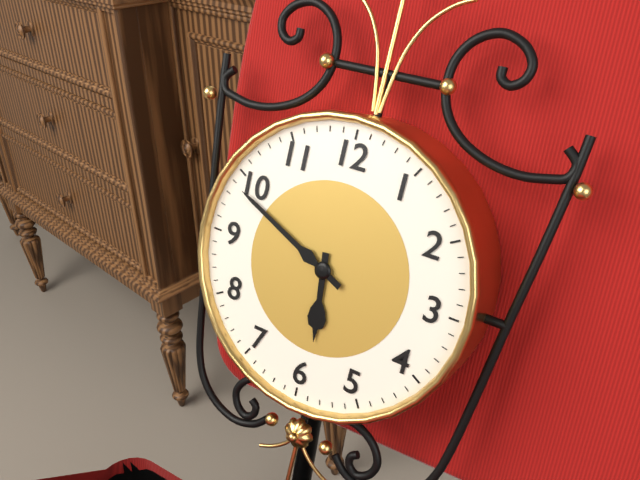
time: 5:49
